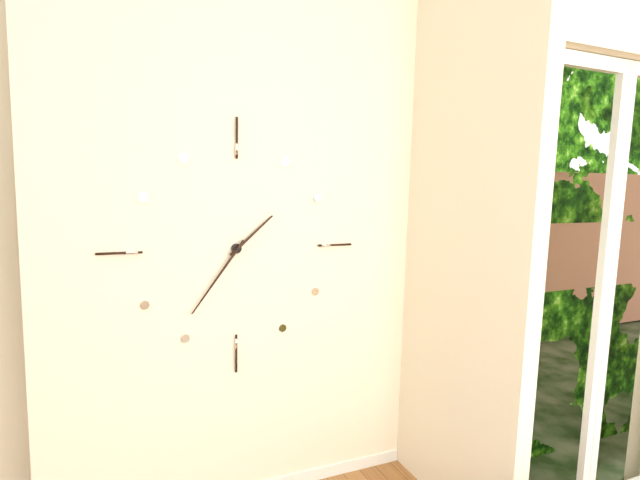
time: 1:36
